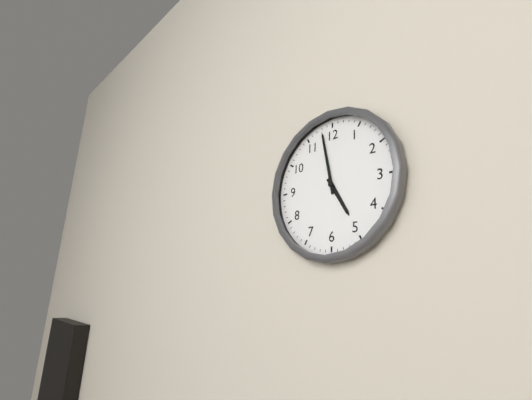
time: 4:58
